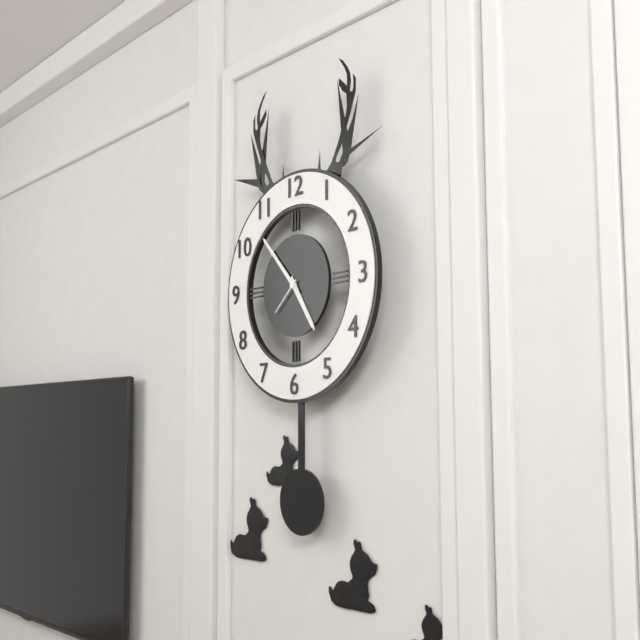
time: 4:53
